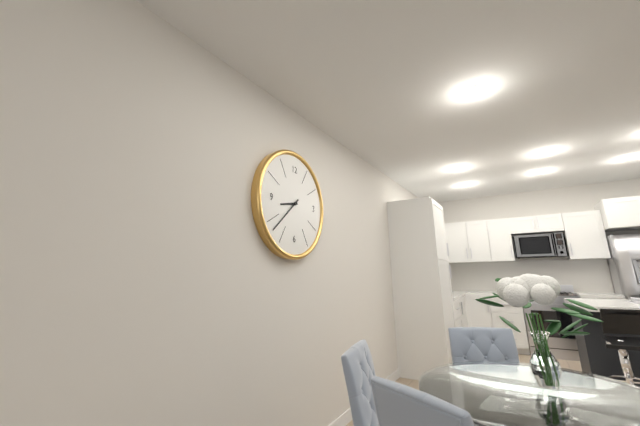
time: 8:38
